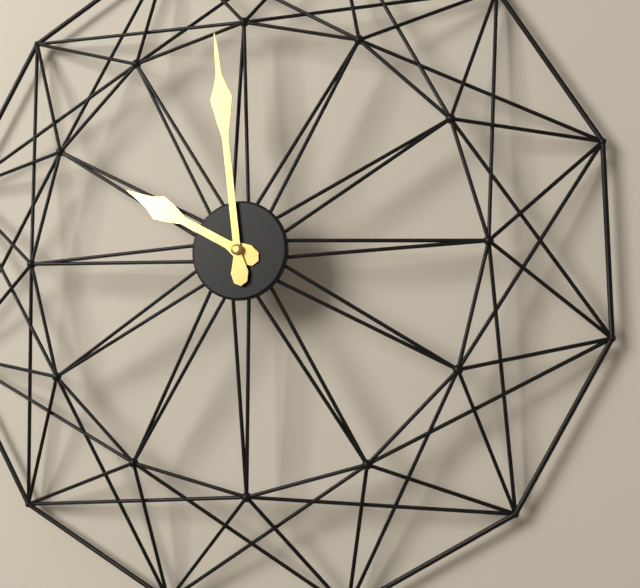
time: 9:59
